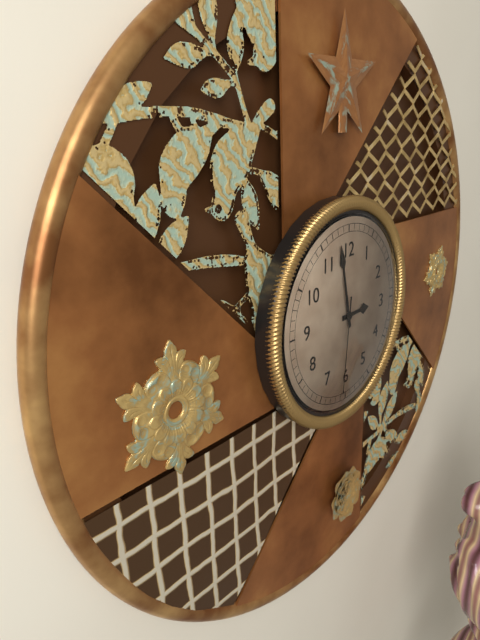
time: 2:58:31
